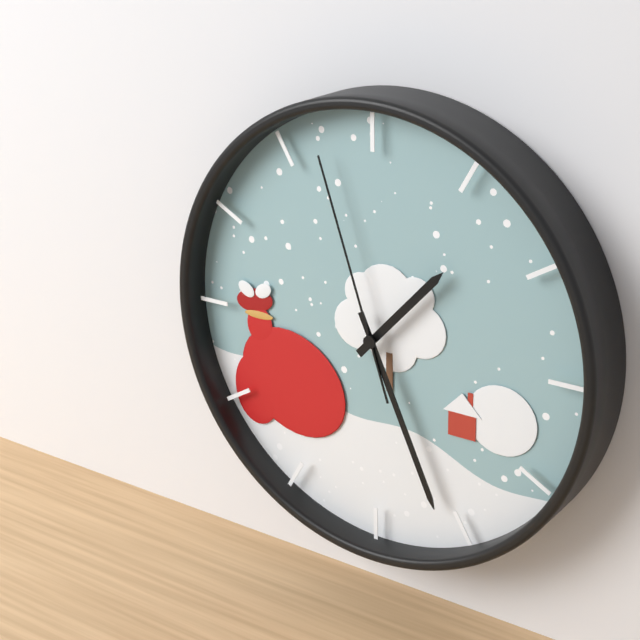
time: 1:26:57
